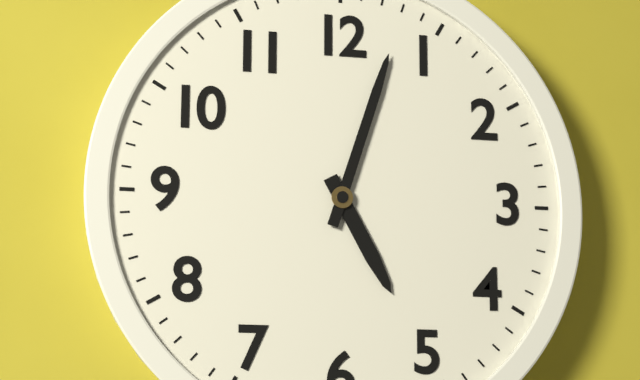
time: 5:03
